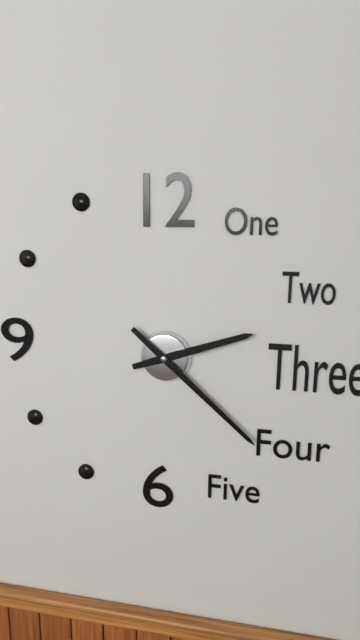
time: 2:22
